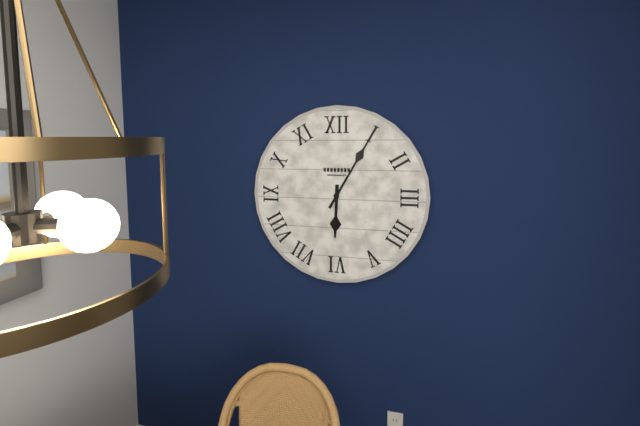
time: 6:05
